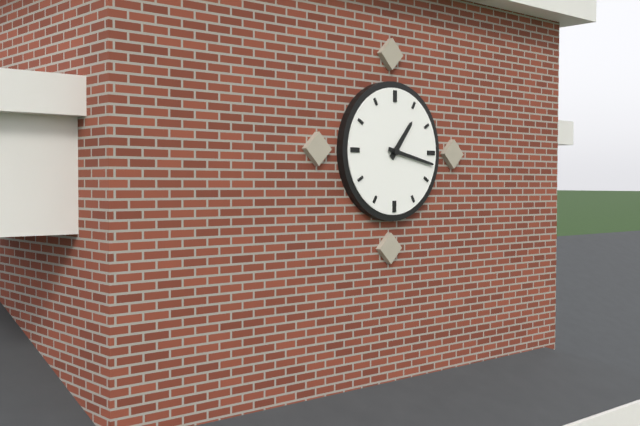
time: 1:17
